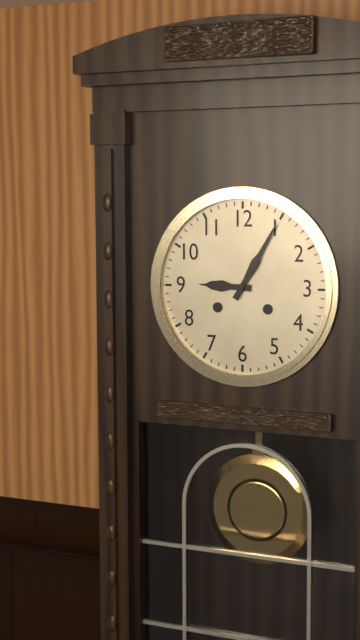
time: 9:05
